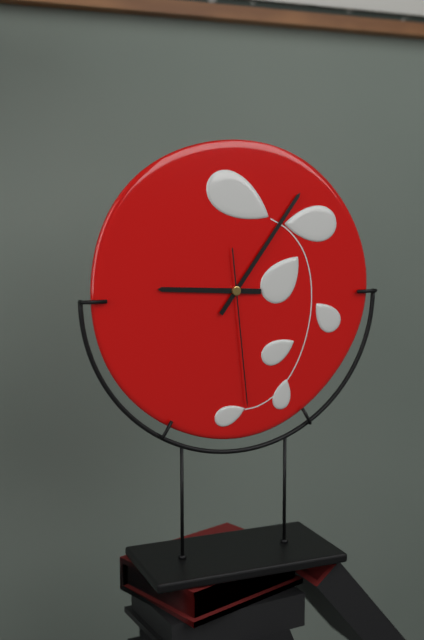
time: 9:06:29
